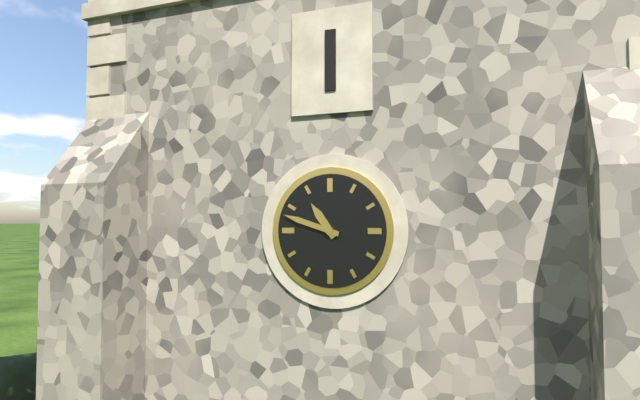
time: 10:48
